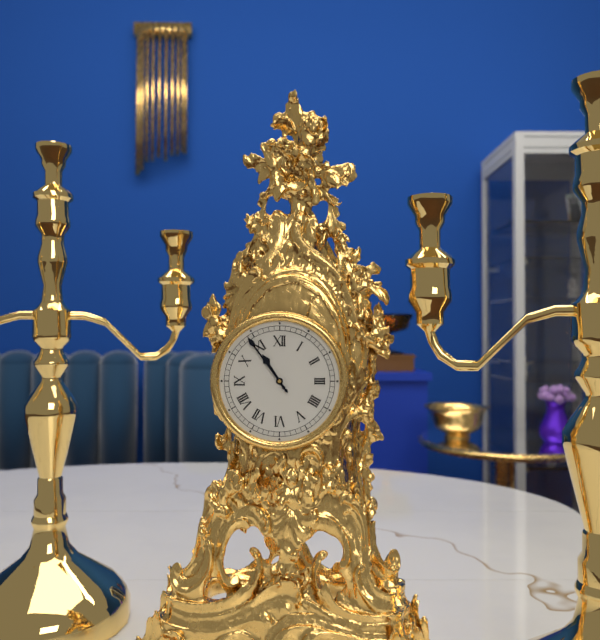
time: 10:54
